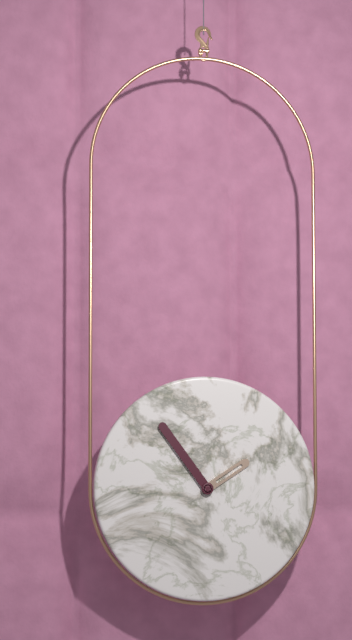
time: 1:54
